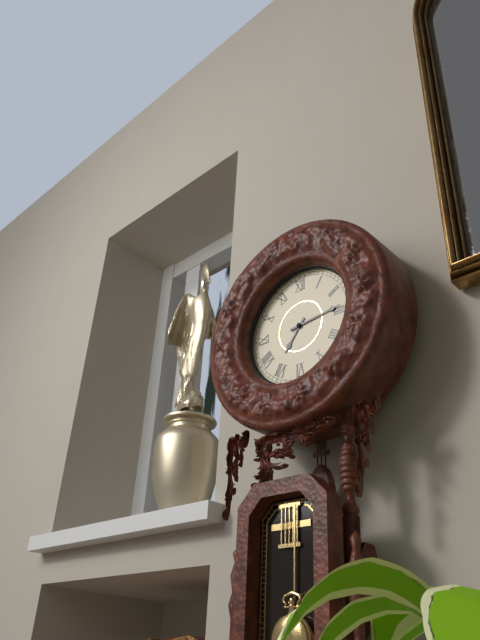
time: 7:14
